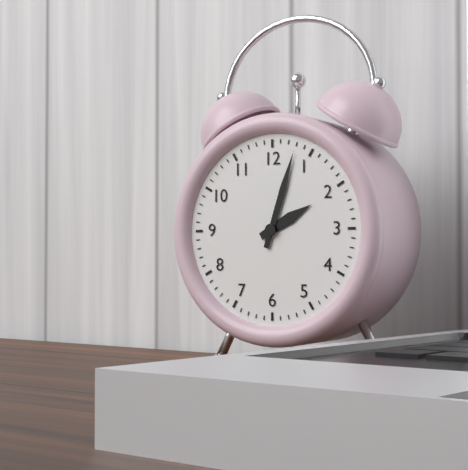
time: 2:03
